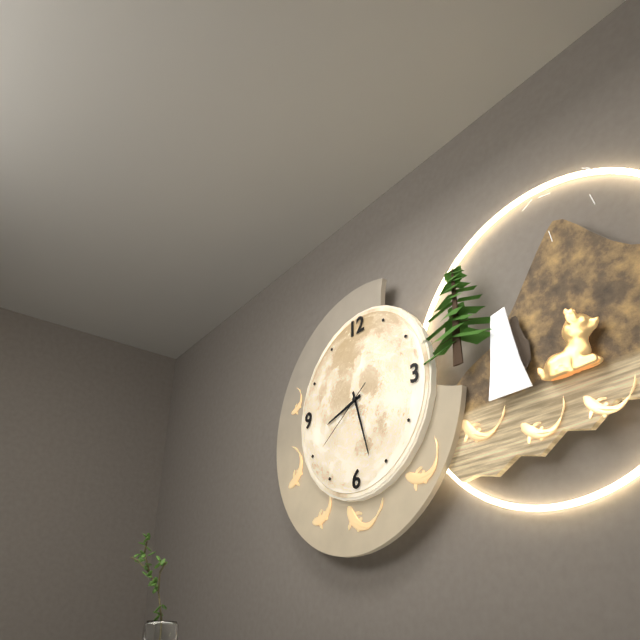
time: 8:27:39
